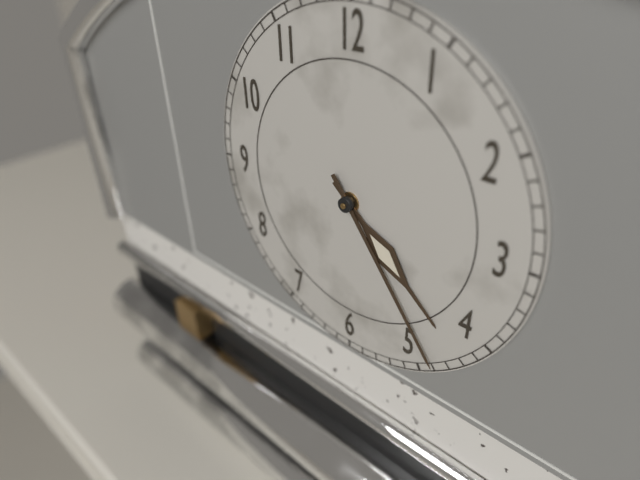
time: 4:24
